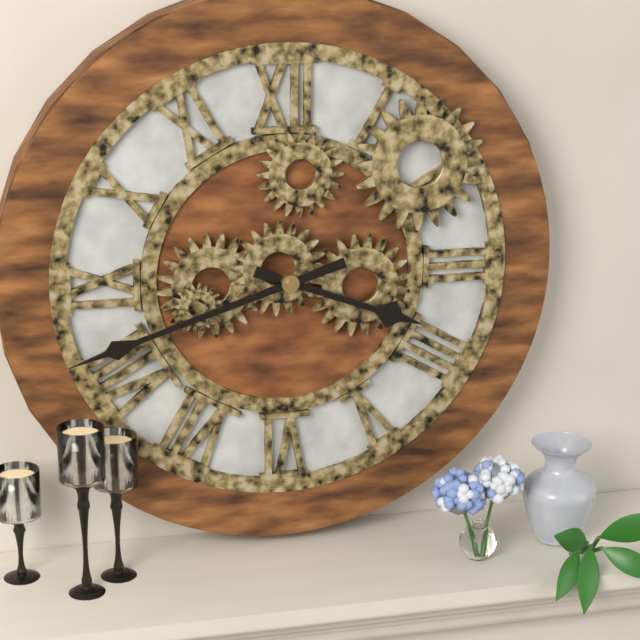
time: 3:42
